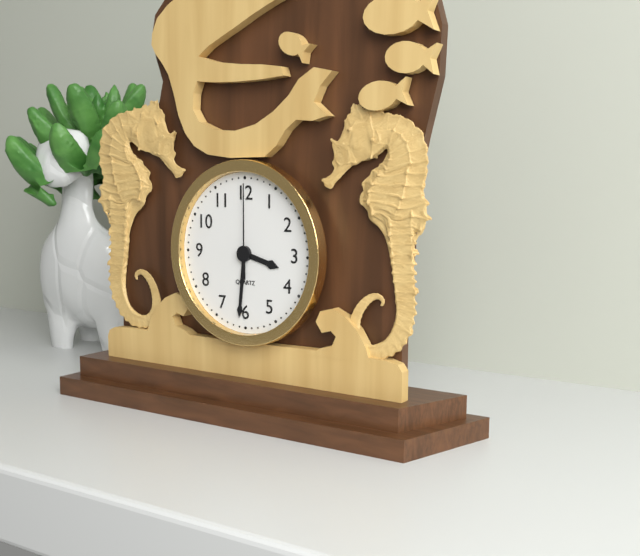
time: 3:31:00
